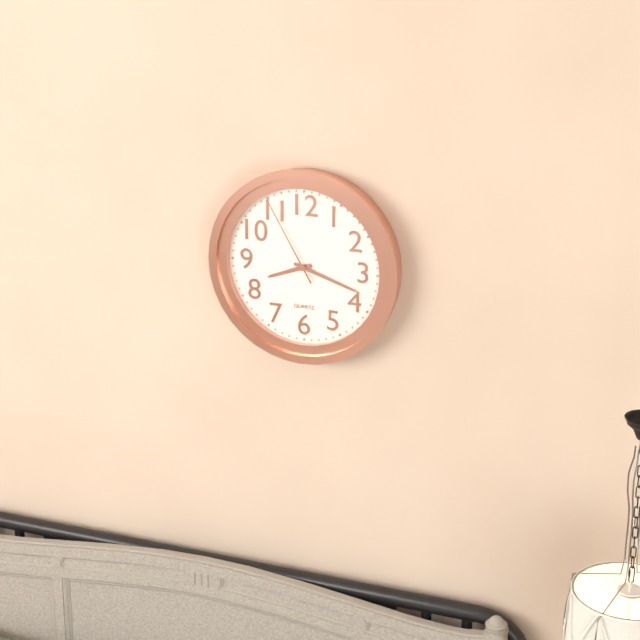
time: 8:18:55
